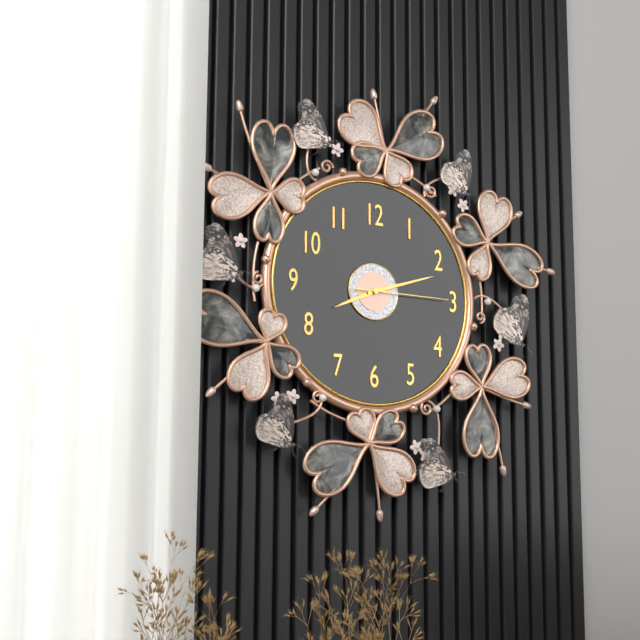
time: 8:12:15
